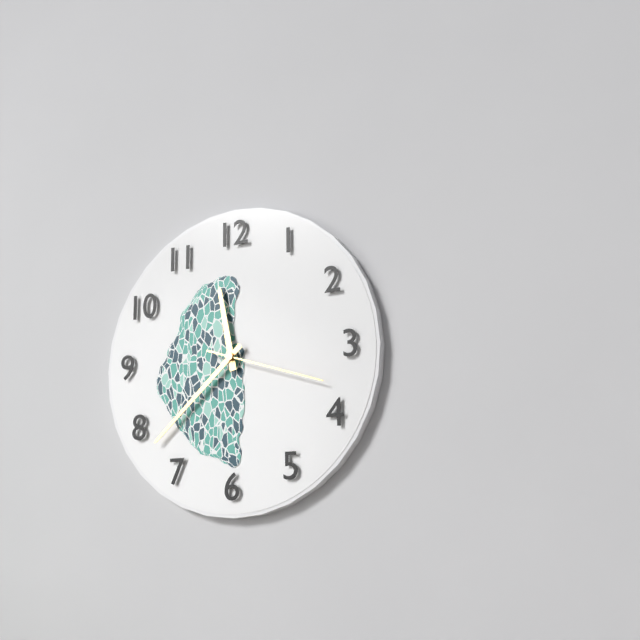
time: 11:38:18
